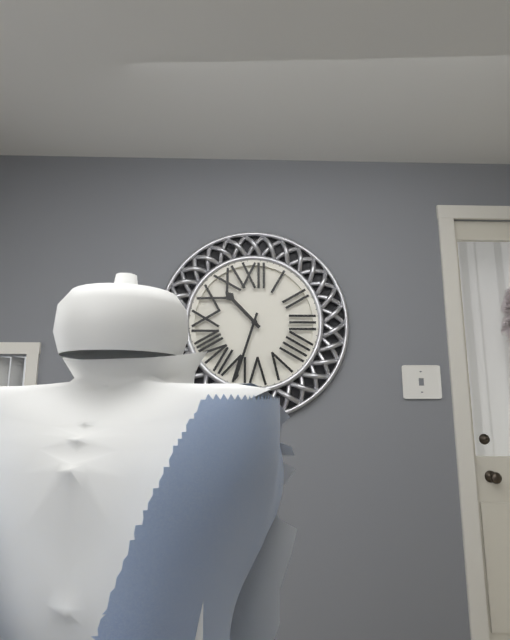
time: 10:33
